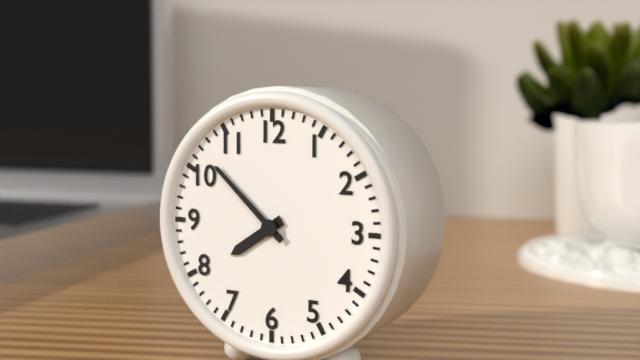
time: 7:52
